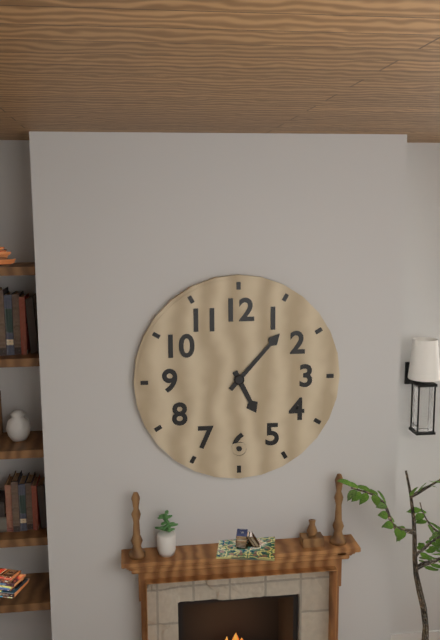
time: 5:07
